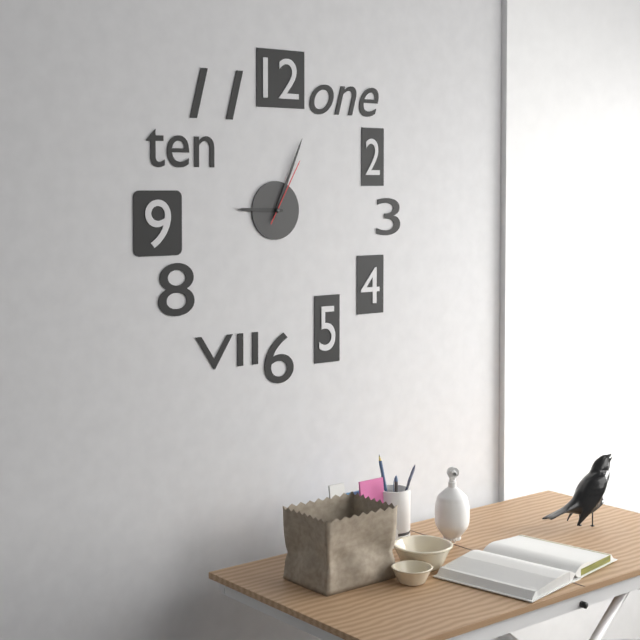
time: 9:04:05
